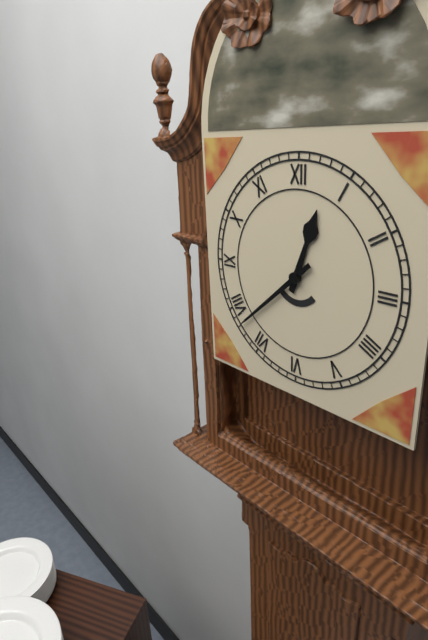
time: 12:38
